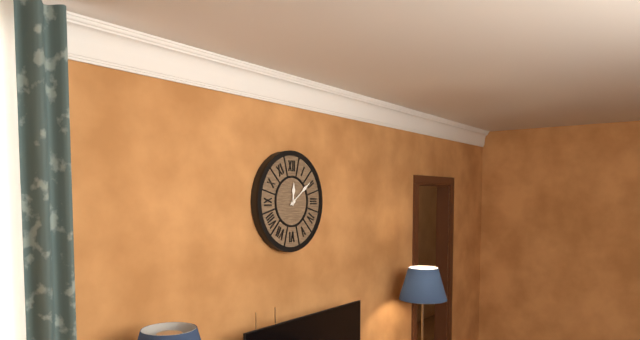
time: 12:09
